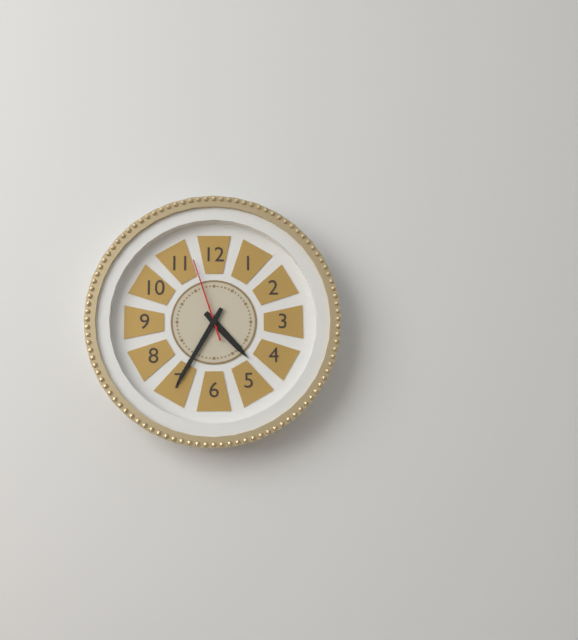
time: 4:35:57
